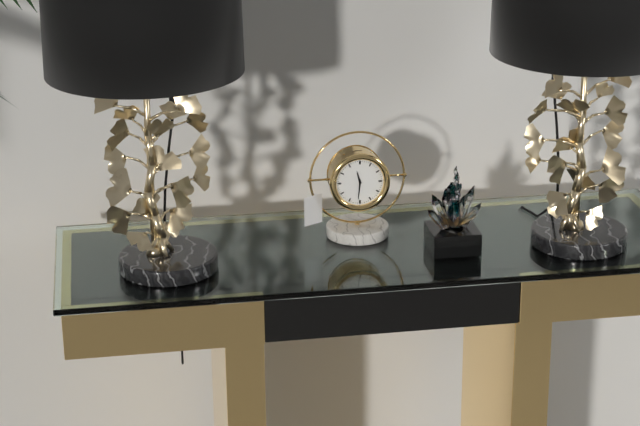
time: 11:31
